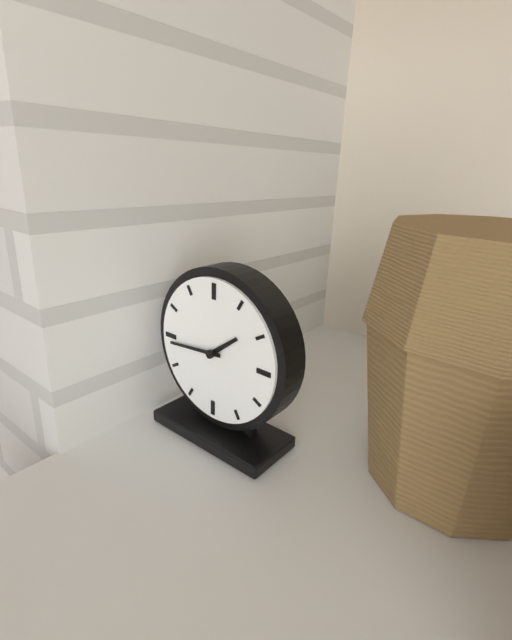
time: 1:44
